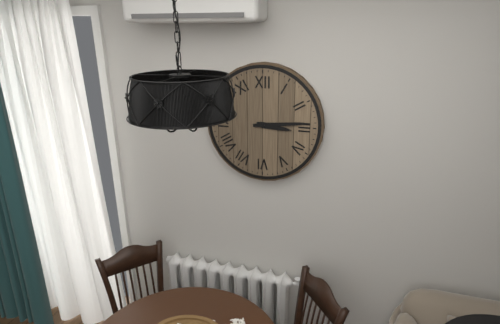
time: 3:14
